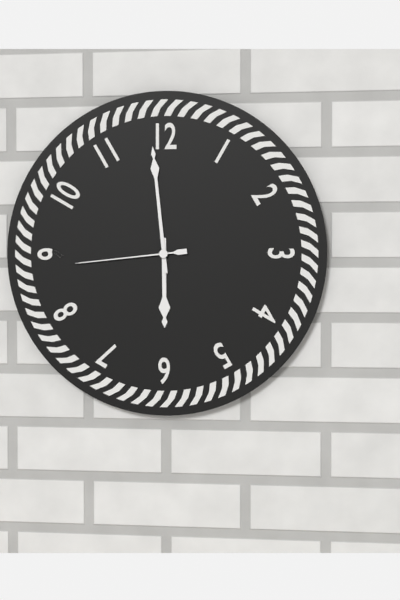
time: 5:59:44
